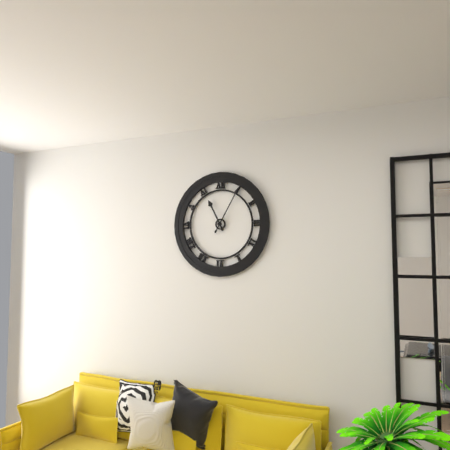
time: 11:05
